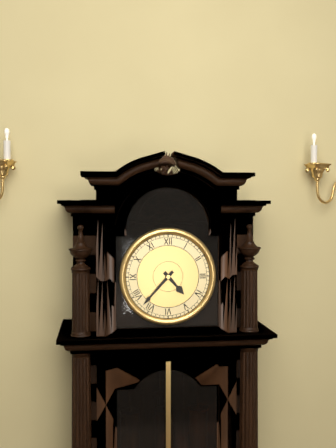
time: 4:37
